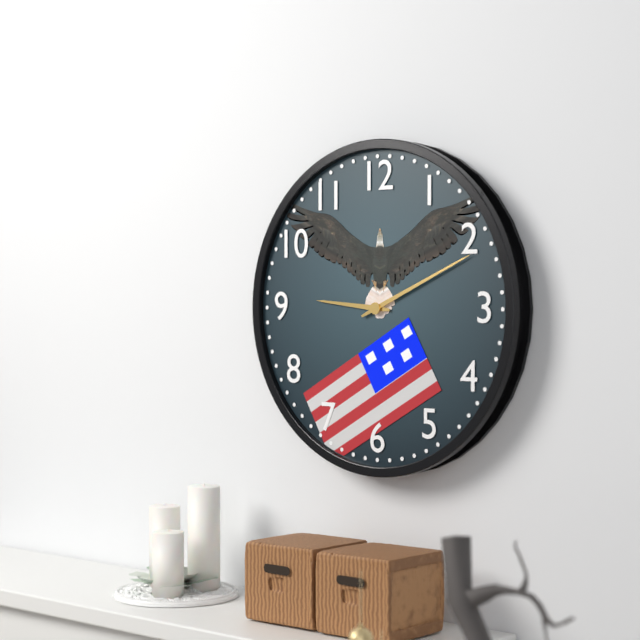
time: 9:11
